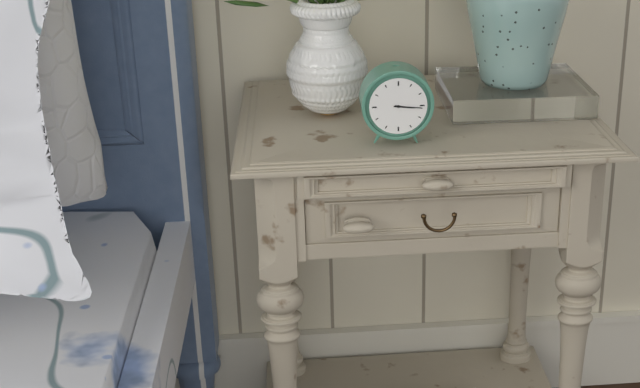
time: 3:16
